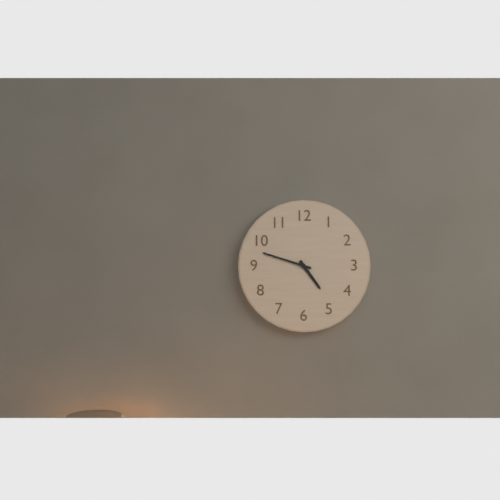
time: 4:48
